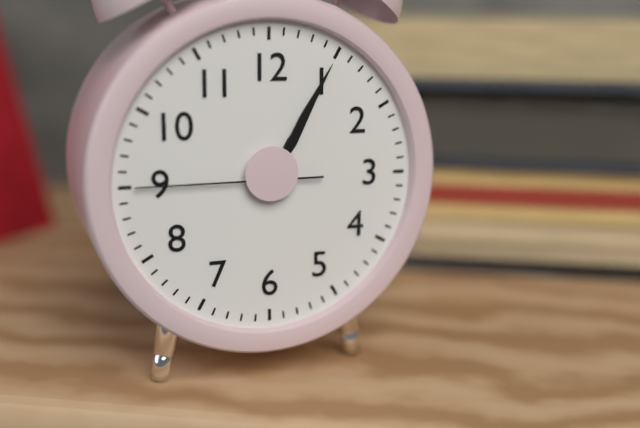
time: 1:05:45
